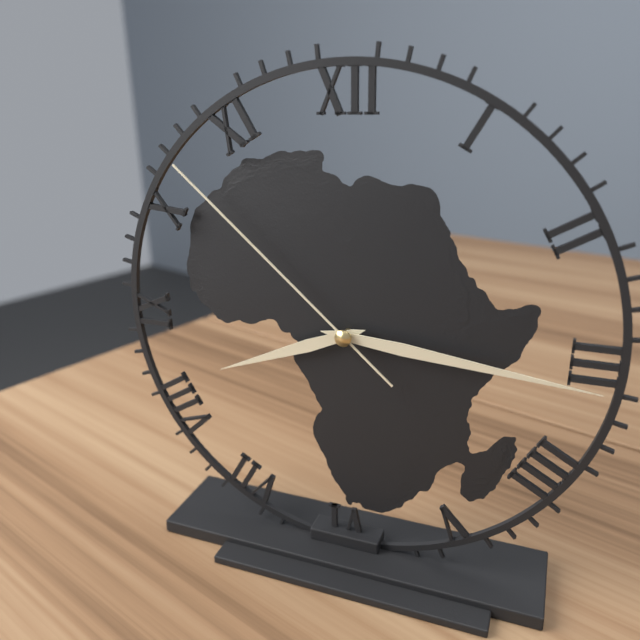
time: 8:16:52
